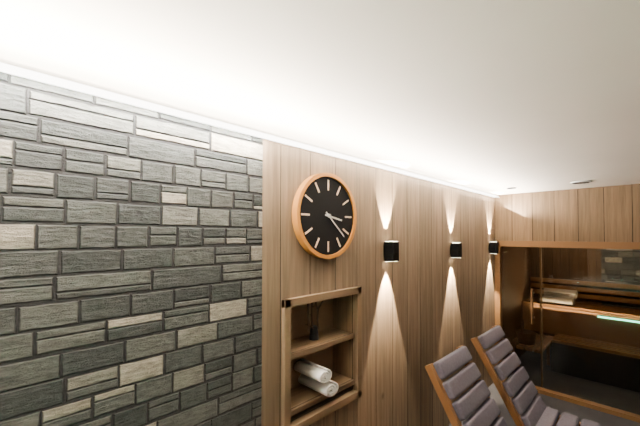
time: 3:22
